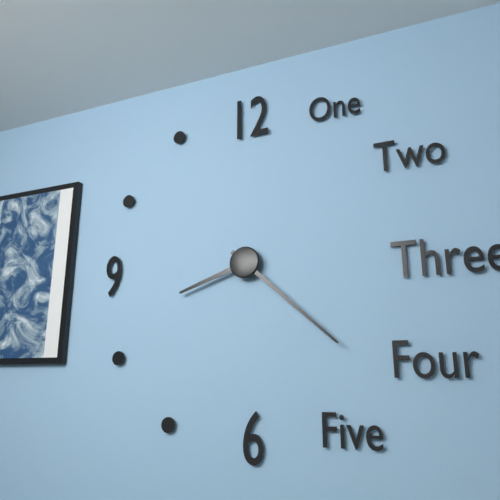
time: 8:22
